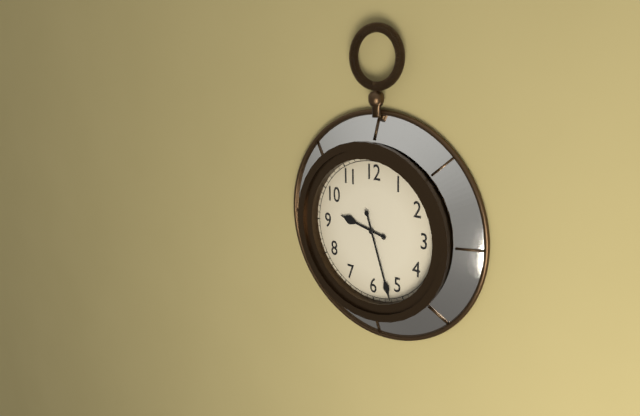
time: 9:27
